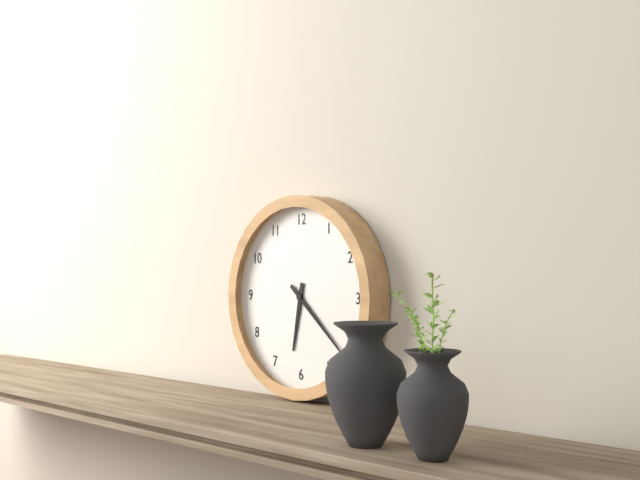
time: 6:22
